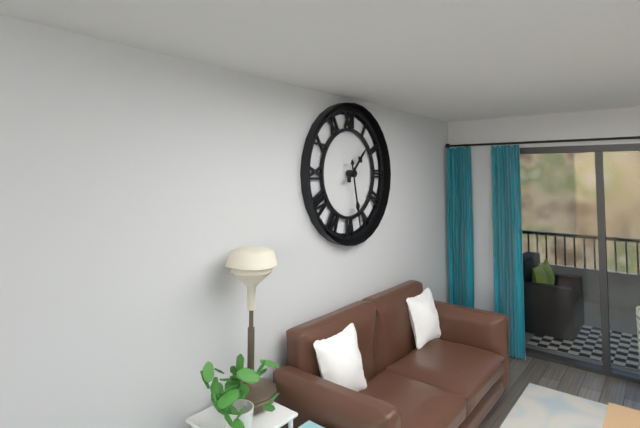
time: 1:28
